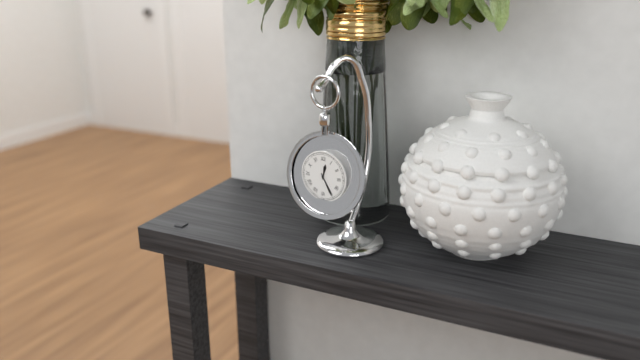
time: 12:25
